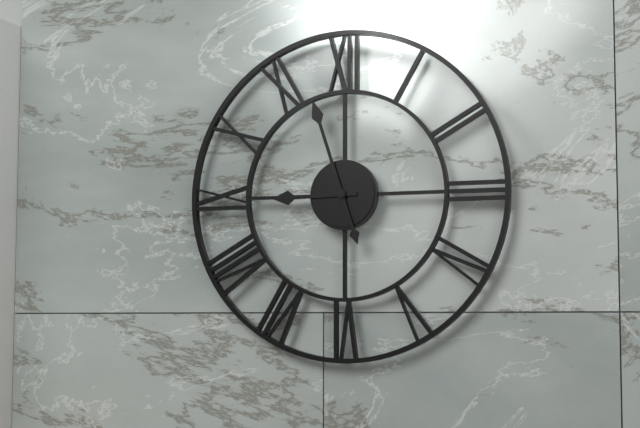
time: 8:57
